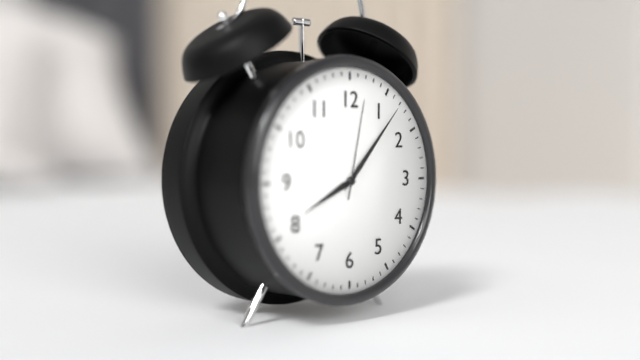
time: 8:07:02
